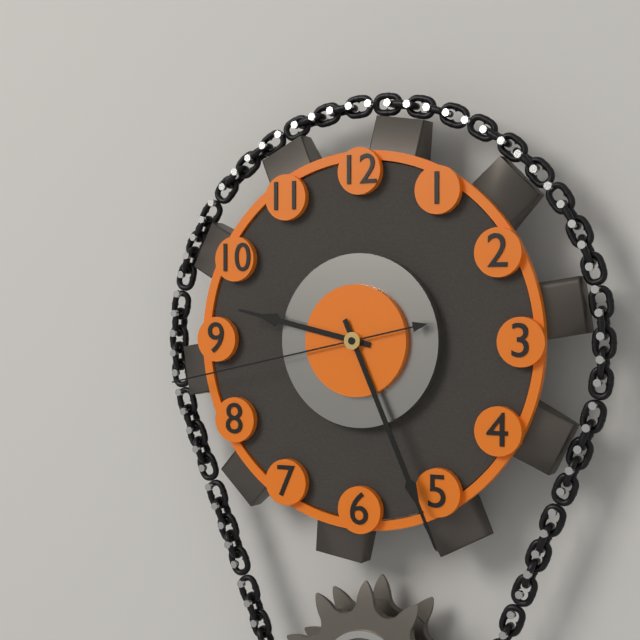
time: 9:26:43
